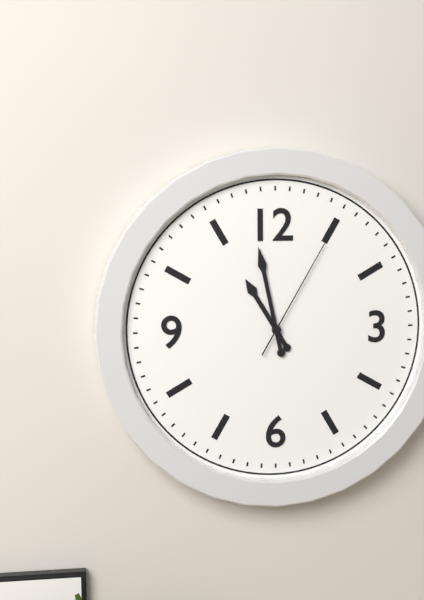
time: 10:58:05
